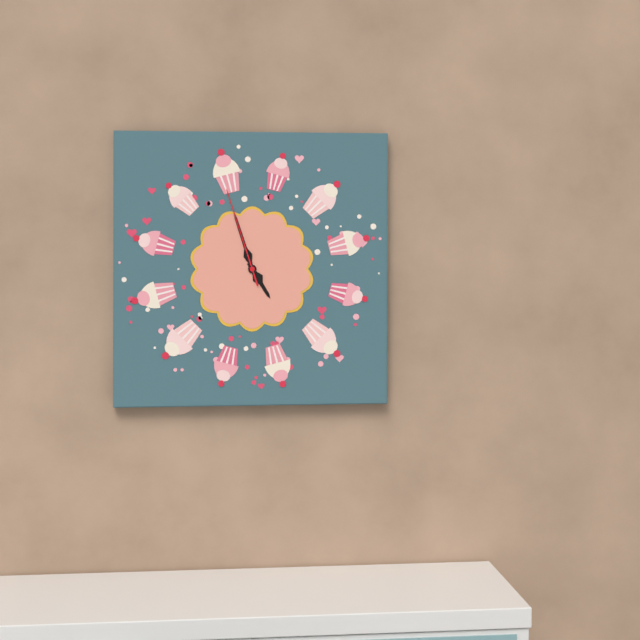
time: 4:57:57
